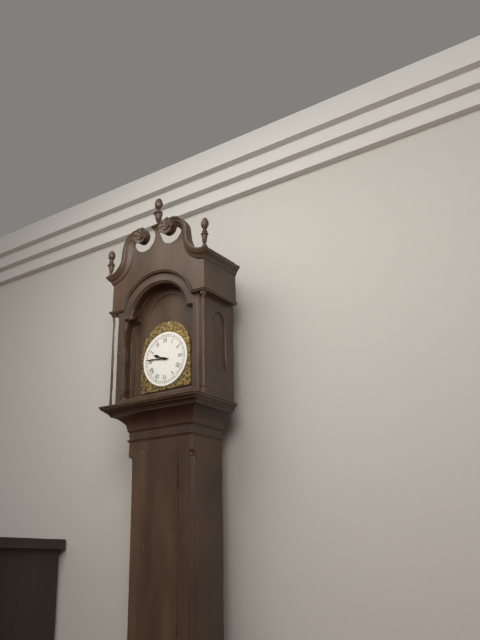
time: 9:46
